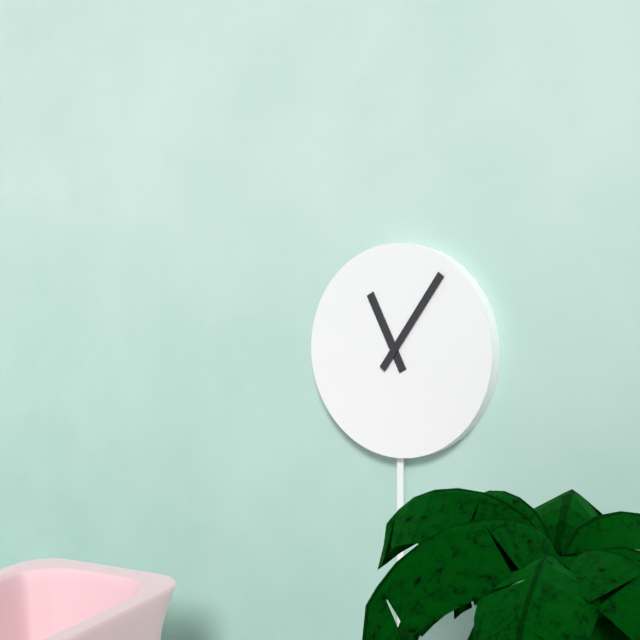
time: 11:06
